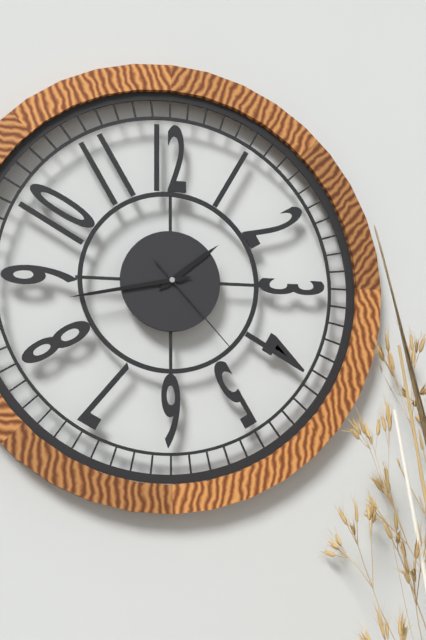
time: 1:43:23
